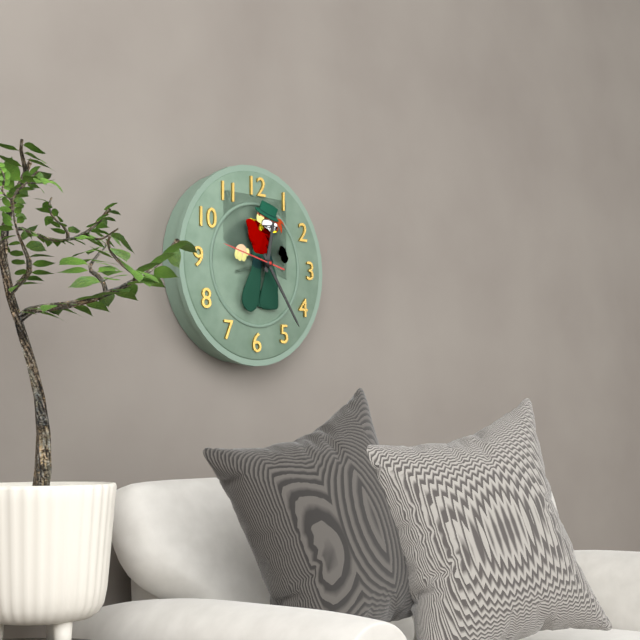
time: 12:24
